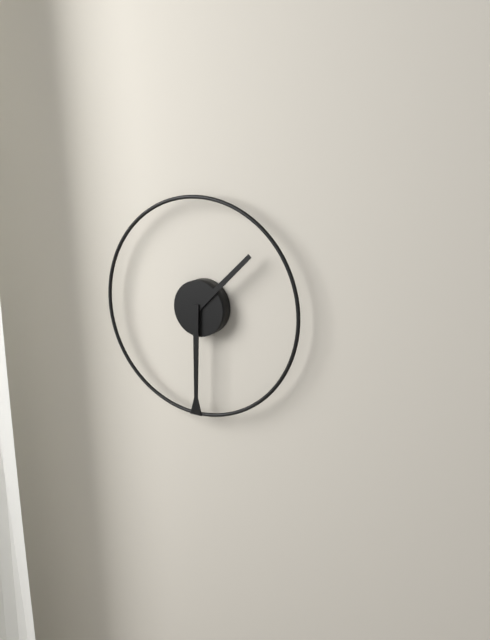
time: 1:30
